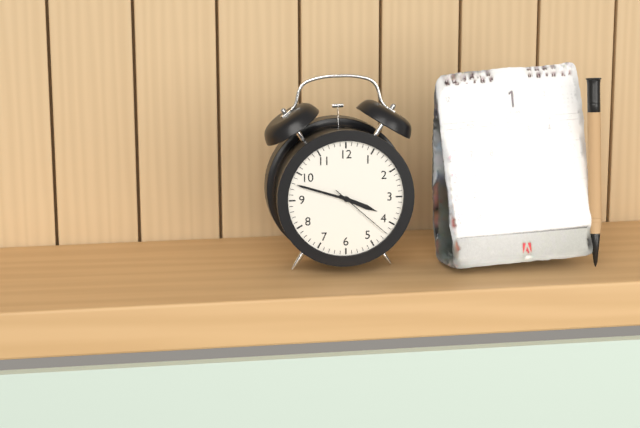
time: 3:48:22
